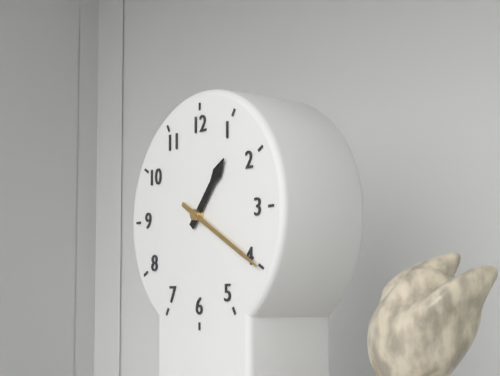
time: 1:20
